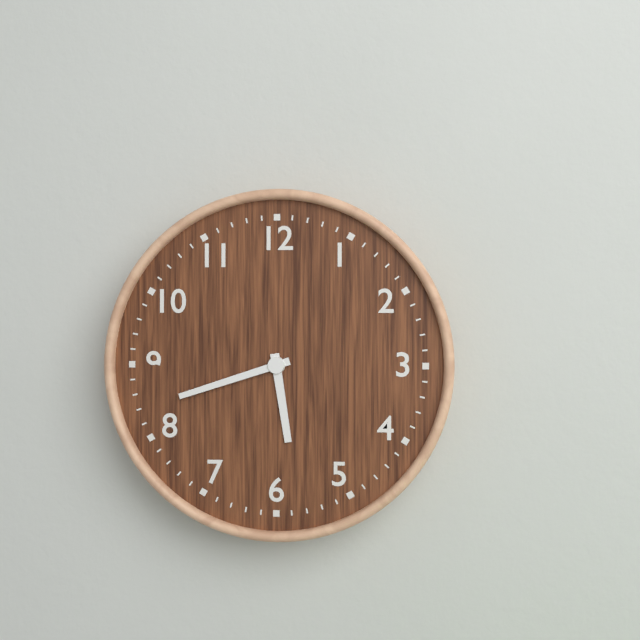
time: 5:42
